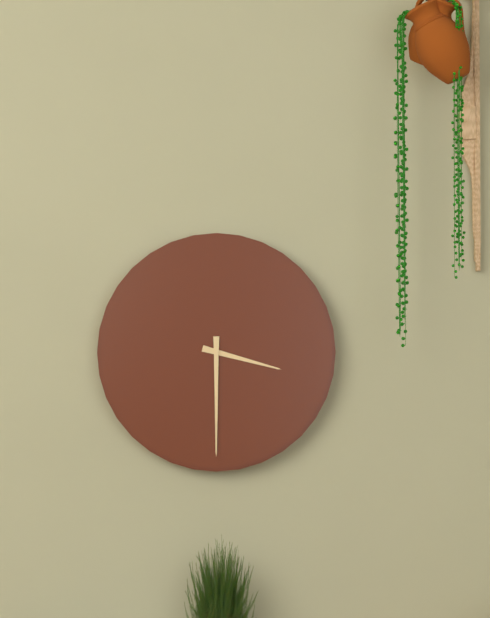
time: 3:30
